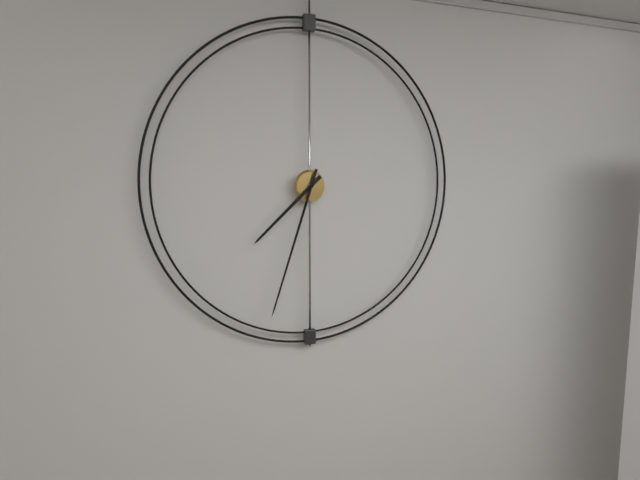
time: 7:33
